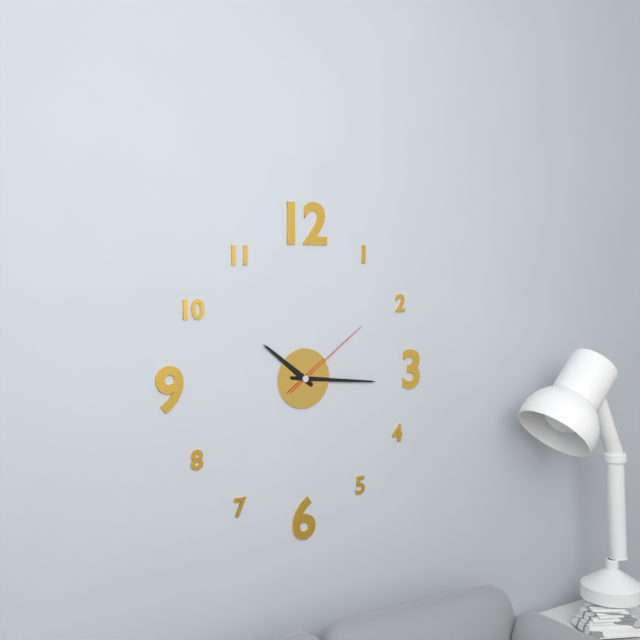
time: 10:16:09
